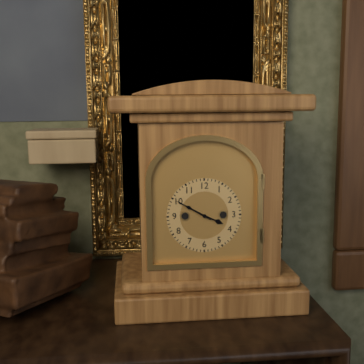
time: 3:50
